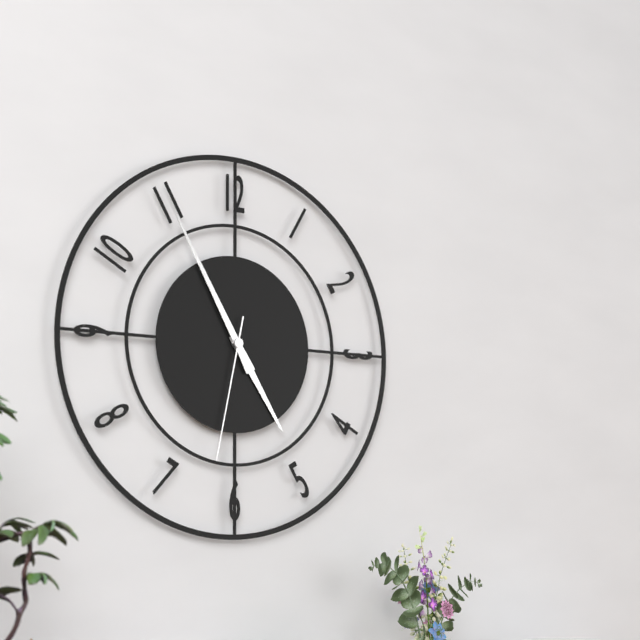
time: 4:55:32
